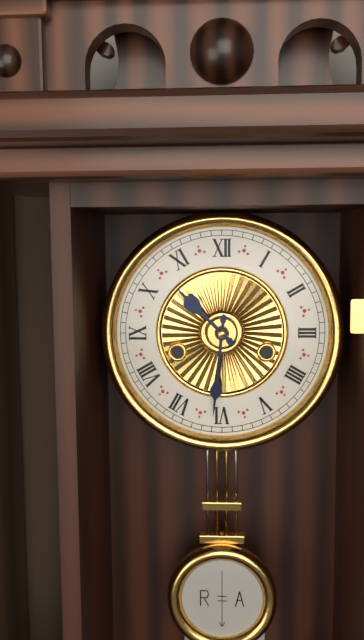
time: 10:31
